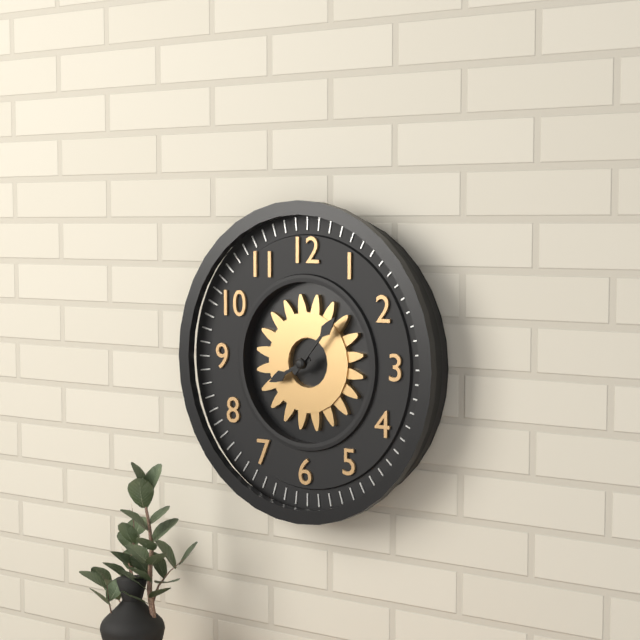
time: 8:07
